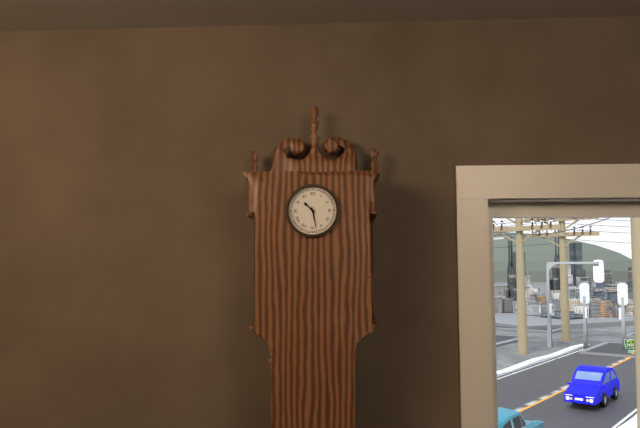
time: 10:28
